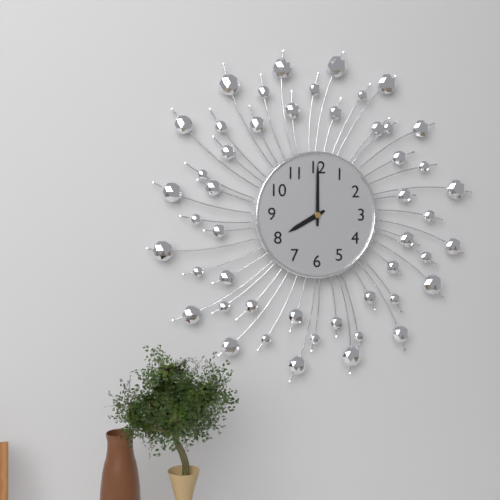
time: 8:00
